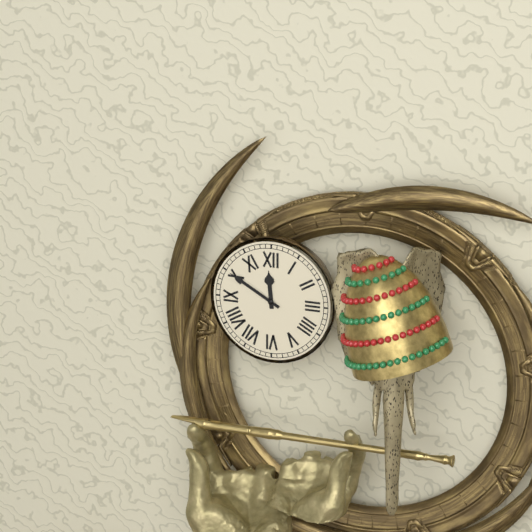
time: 11:50
